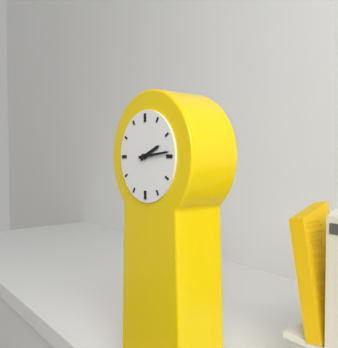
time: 2:14
